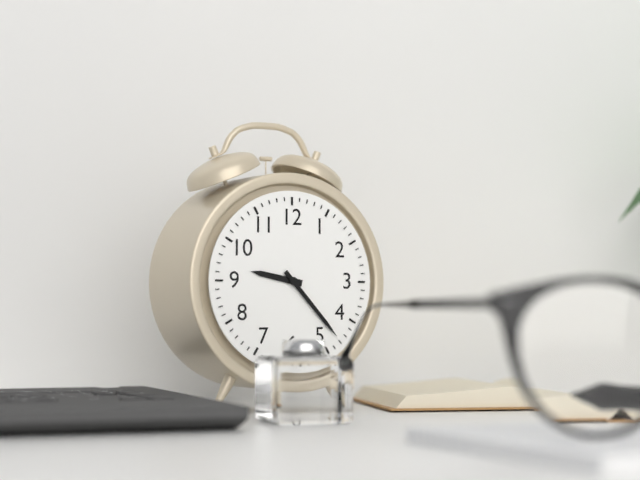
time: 9:23
